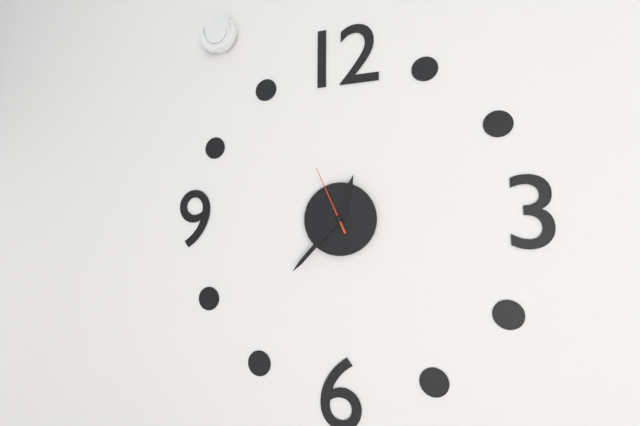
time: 12:37:56
